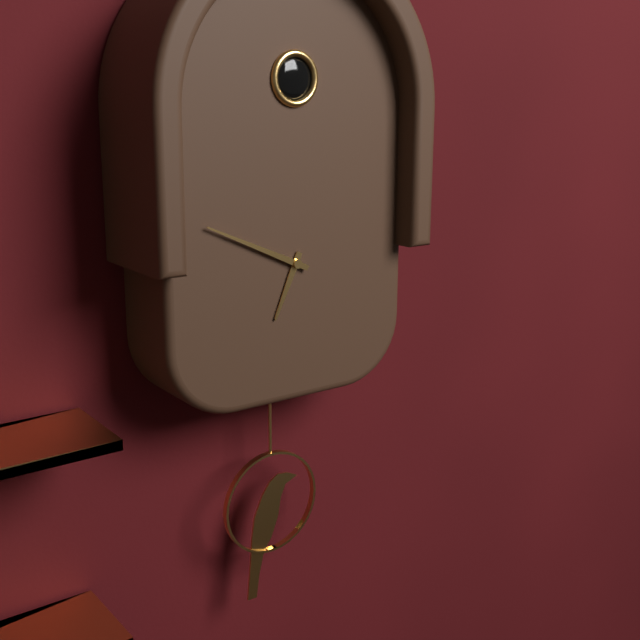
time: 6:49
